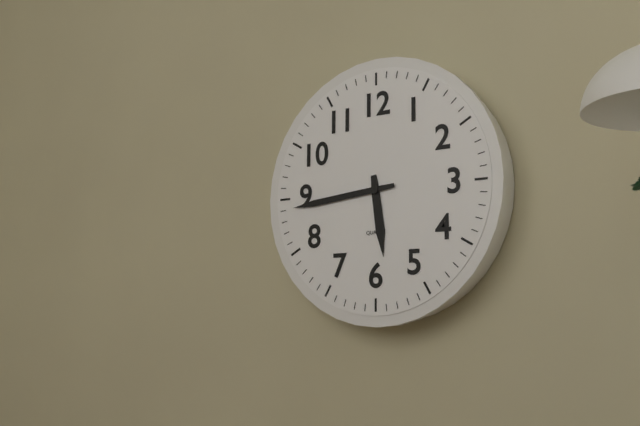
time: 5:44
